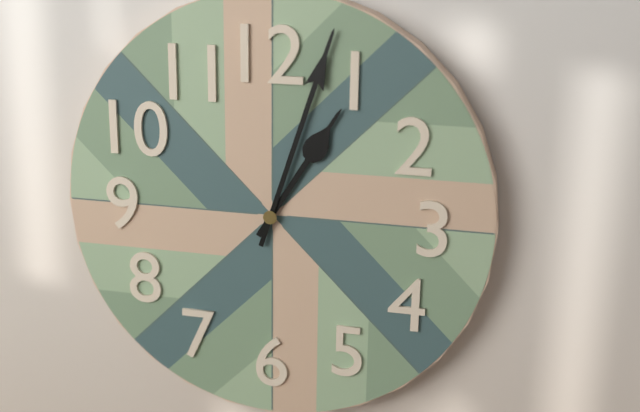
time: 1:03
